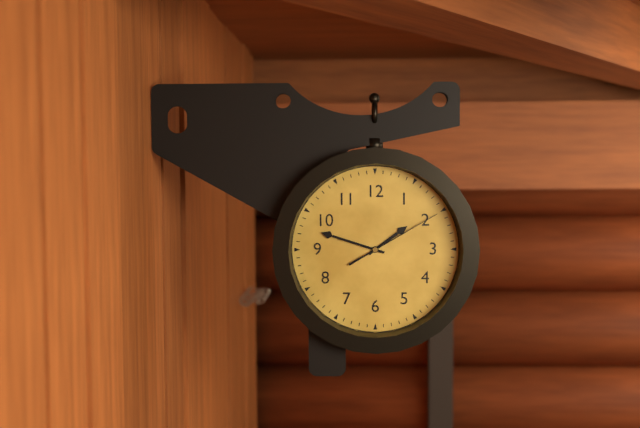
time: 1:48:10
